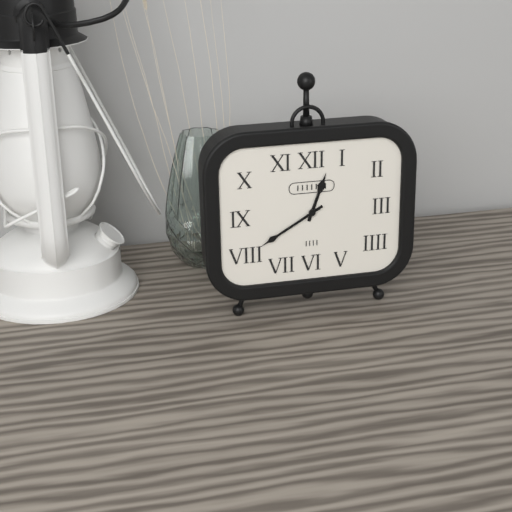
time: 12:40
